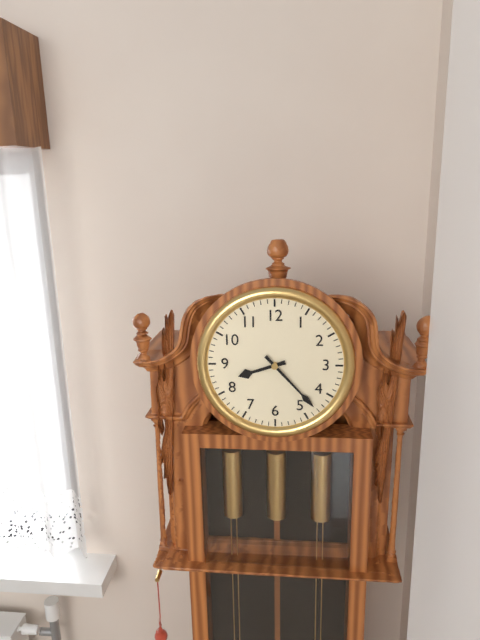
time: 8:23
